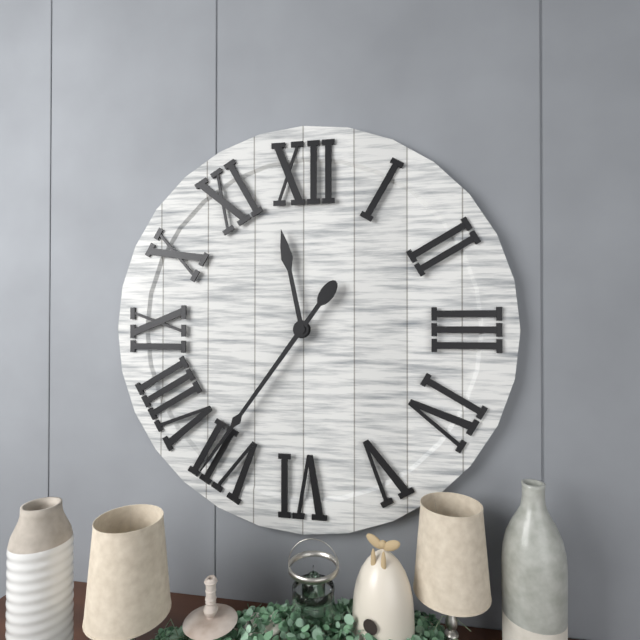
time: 11:36
